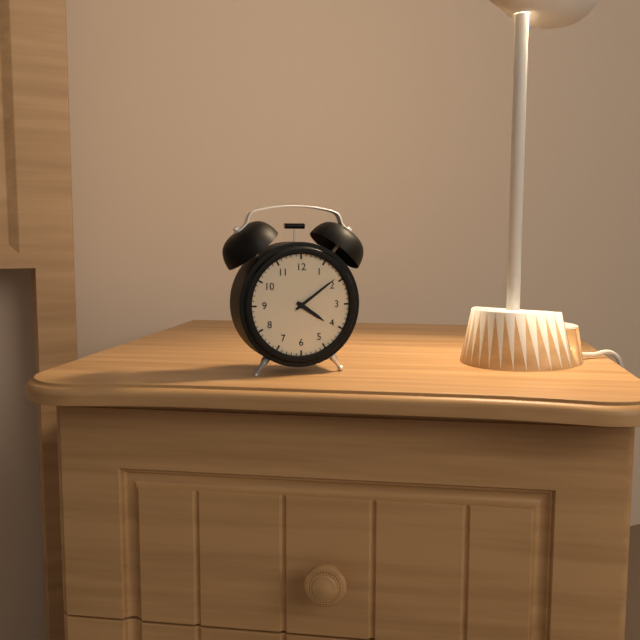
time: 4:09
